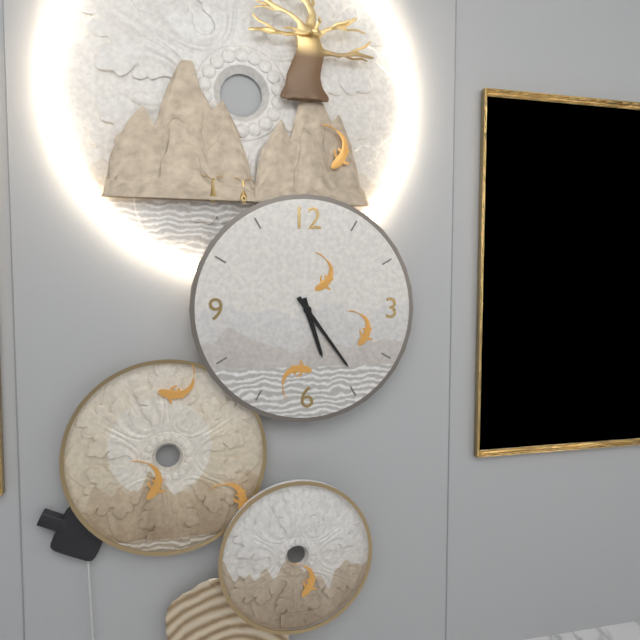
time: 5:24
